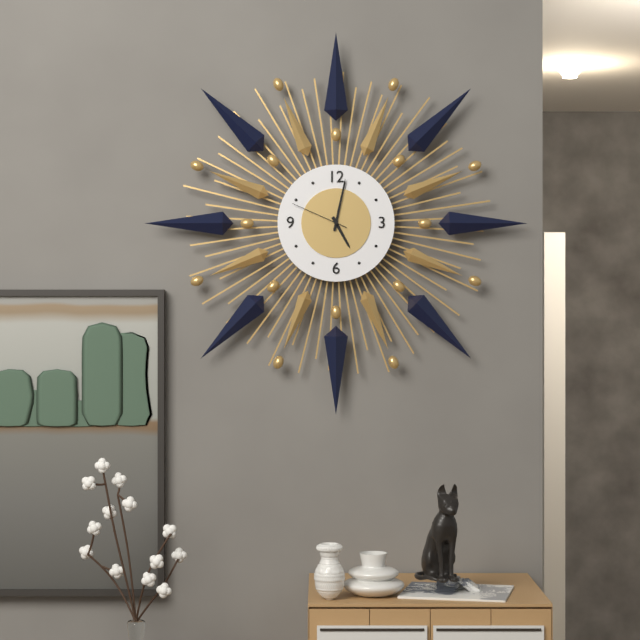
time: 5:02:49
